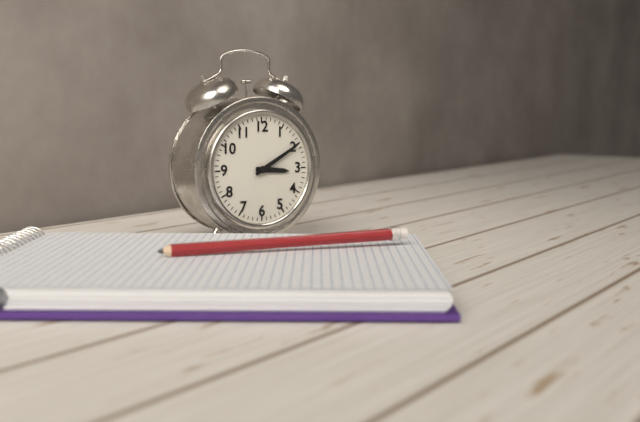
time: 3:10
